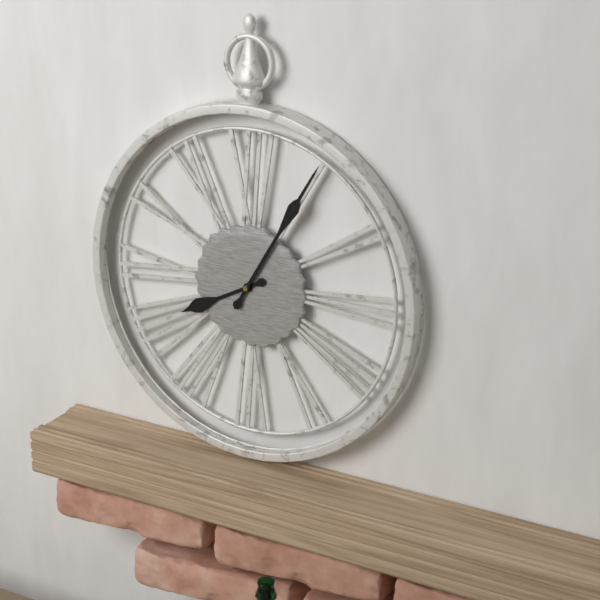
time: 8:05
